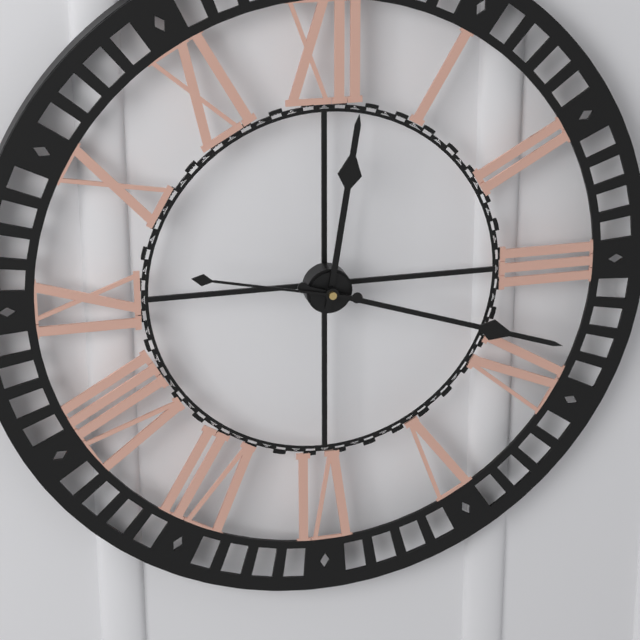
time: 12:18:47
